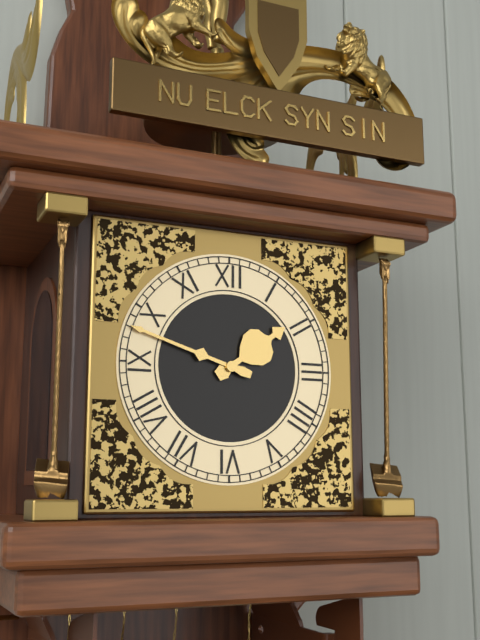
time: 1:48
